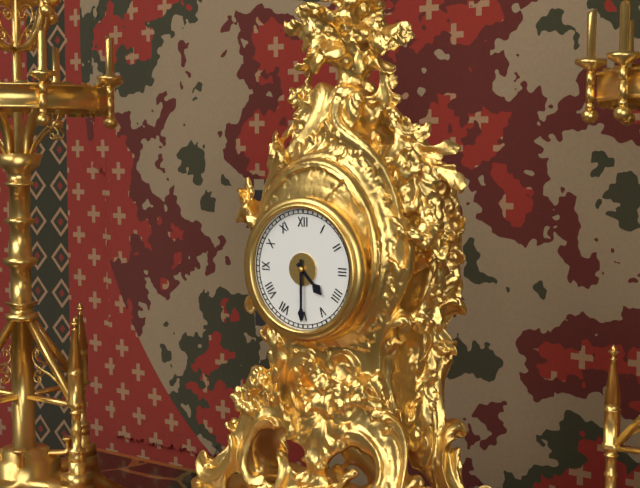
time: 4:30
